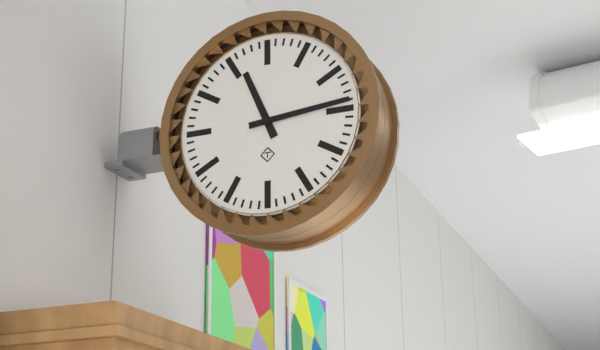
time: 11:14
